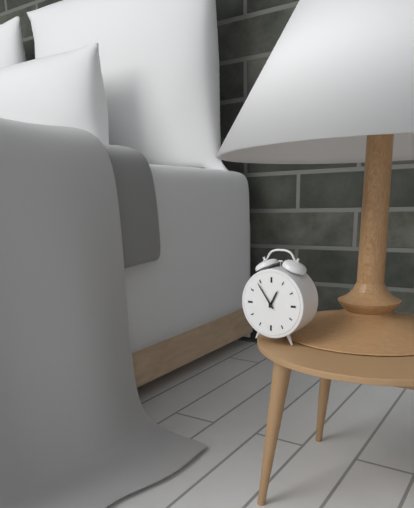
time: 12:54
